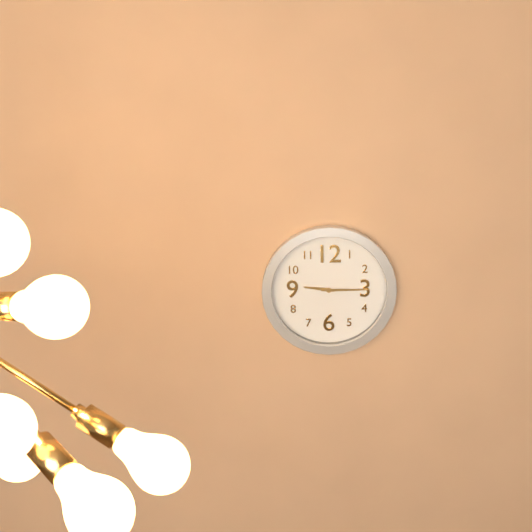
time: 9:15
